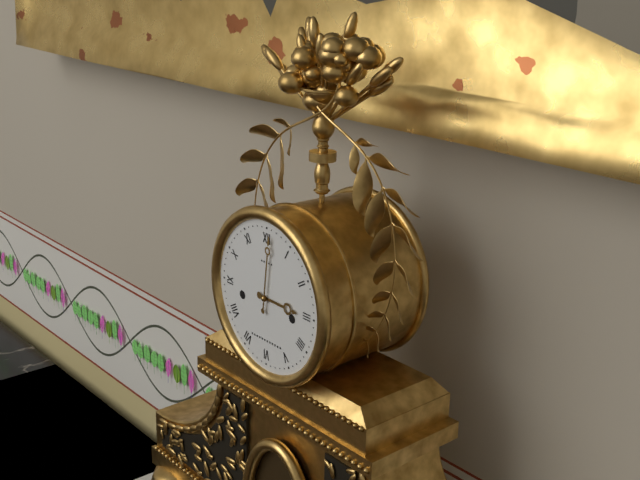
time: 3:01
